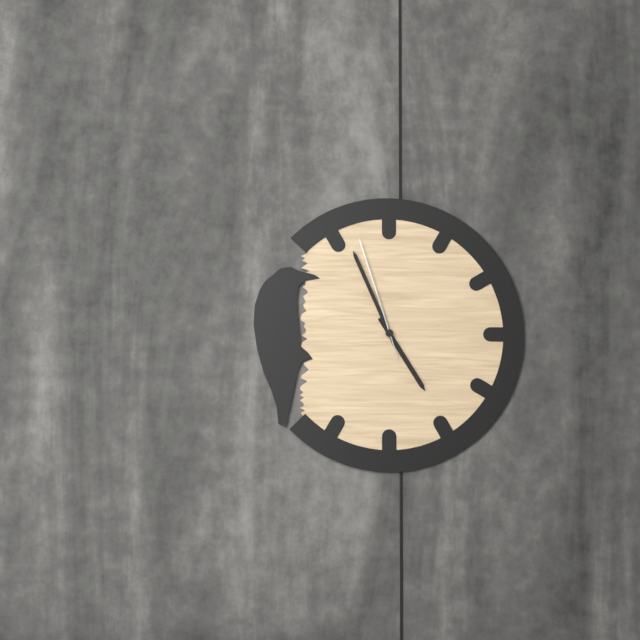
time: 4:56:57
